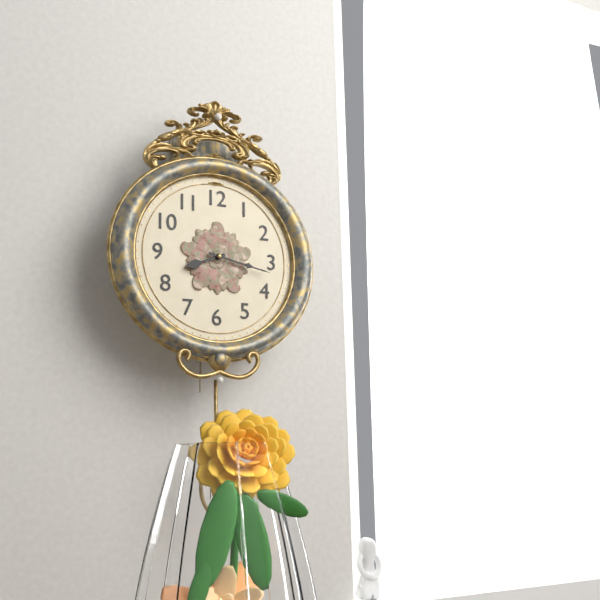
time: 8:17
